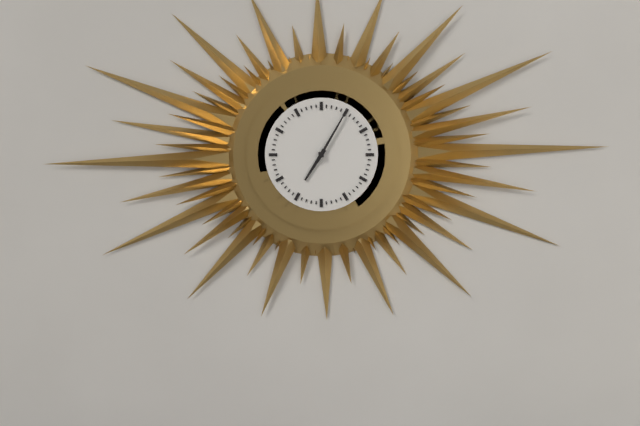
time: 7:05
